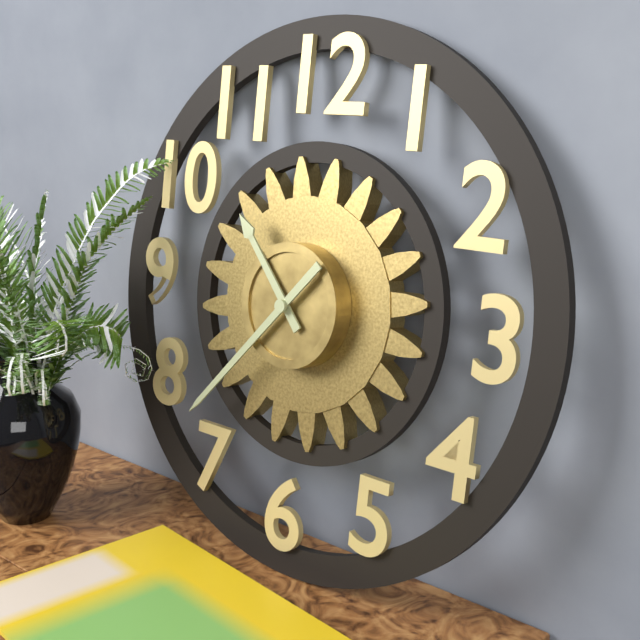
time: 10:37
